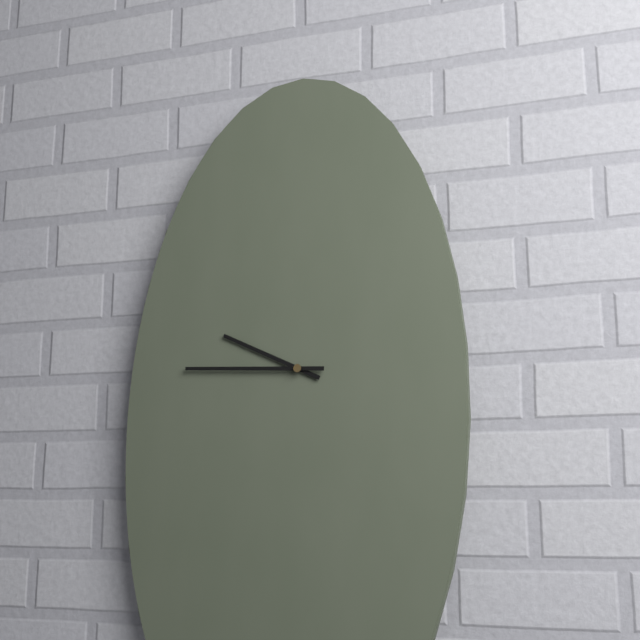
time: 9:45
